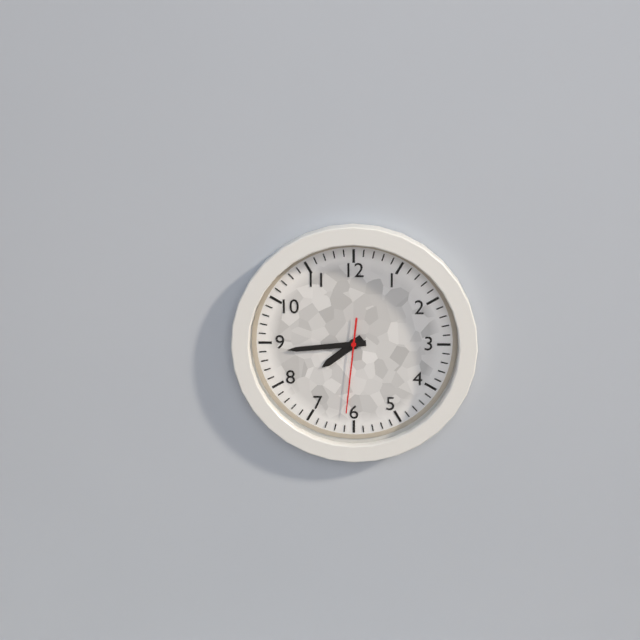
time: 7:44:31
